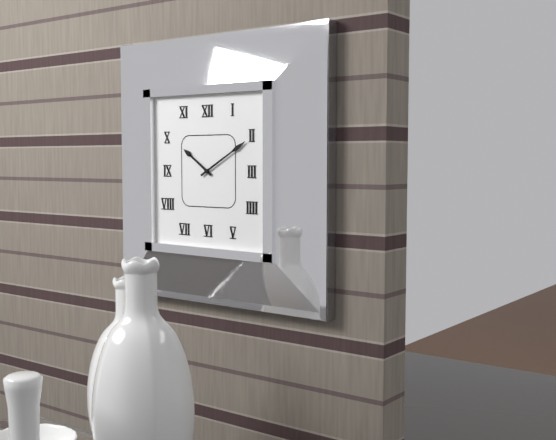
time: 10:10
